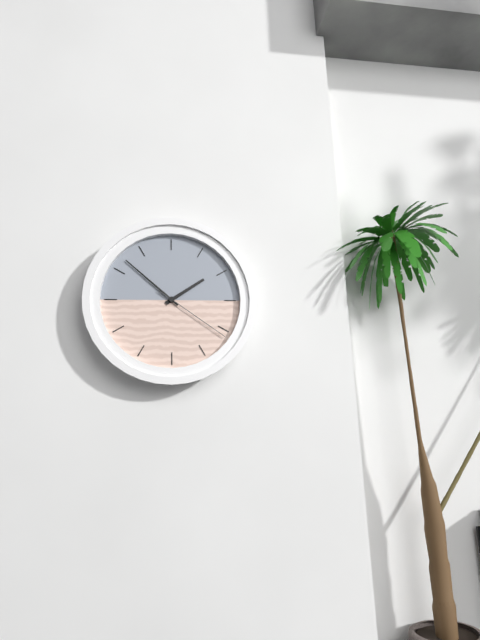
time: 1:52:21
